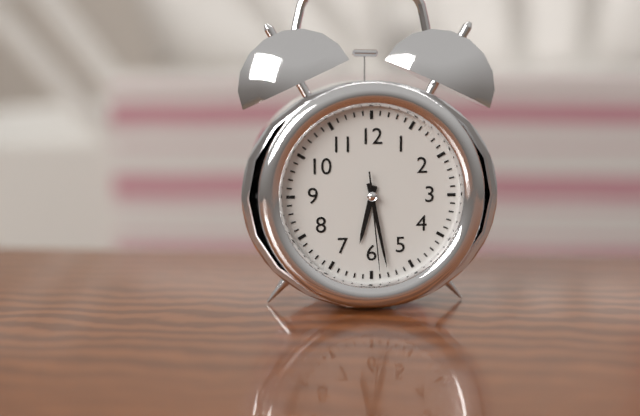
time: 6:28:29
